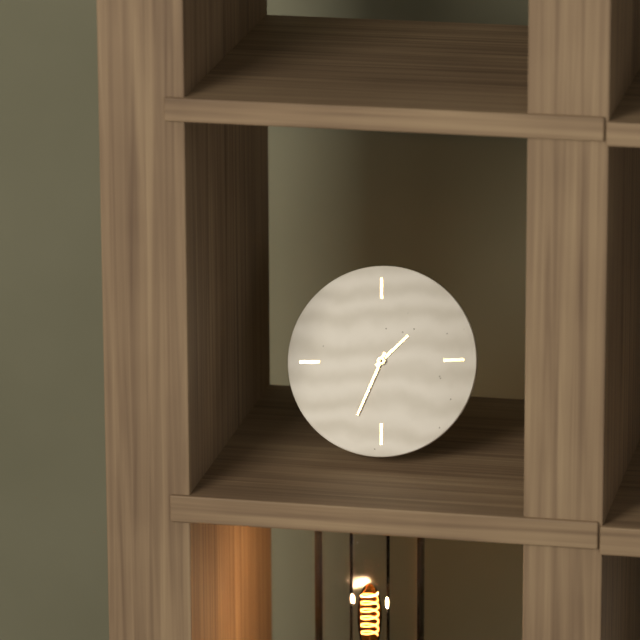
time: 1:34
